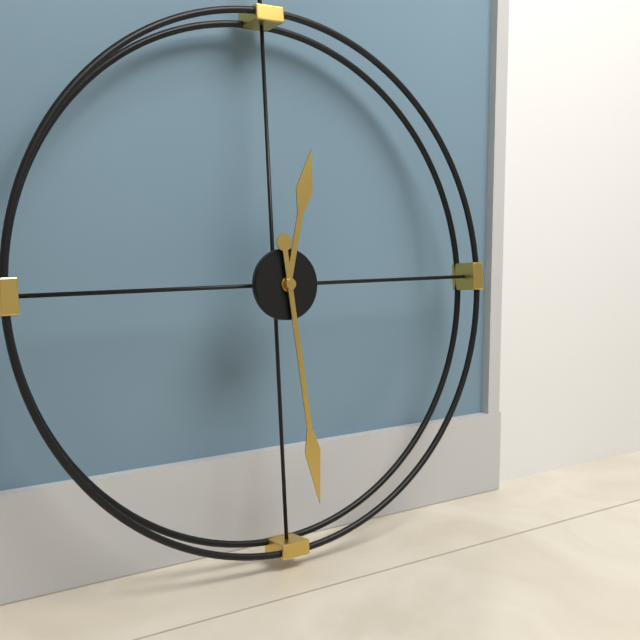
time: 12:29
